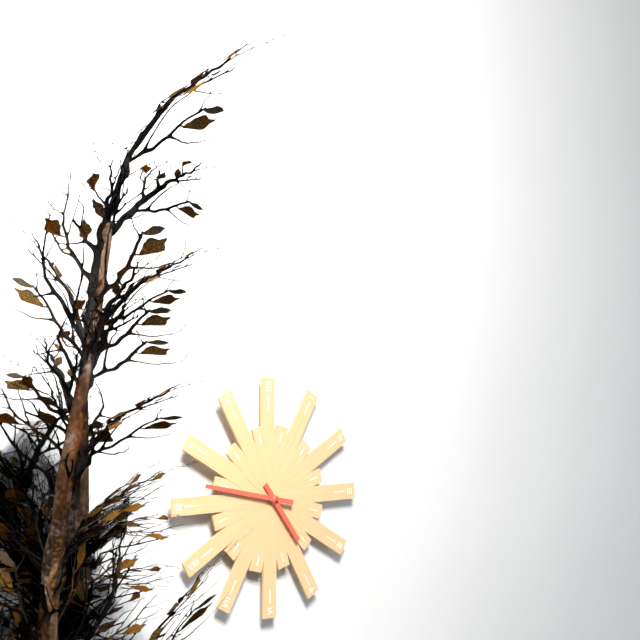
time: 4:47
